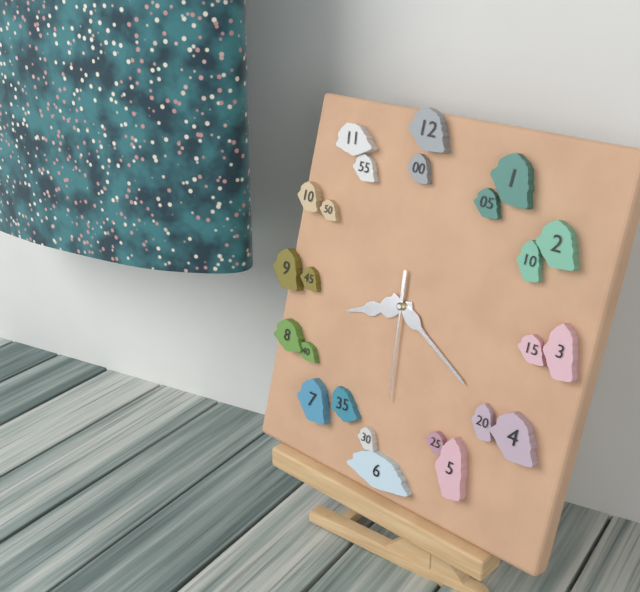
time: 8:20:29
